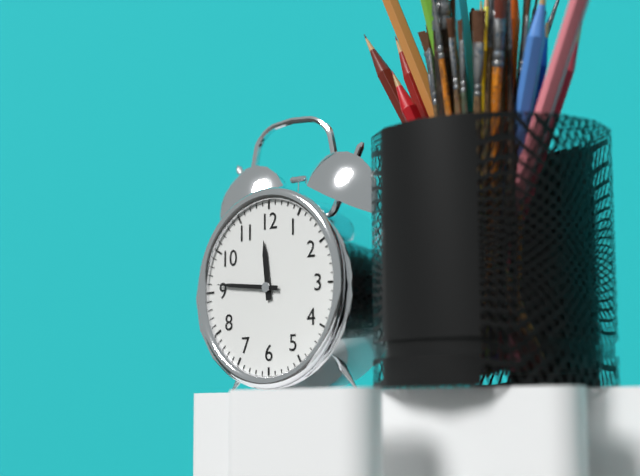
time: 11:46
